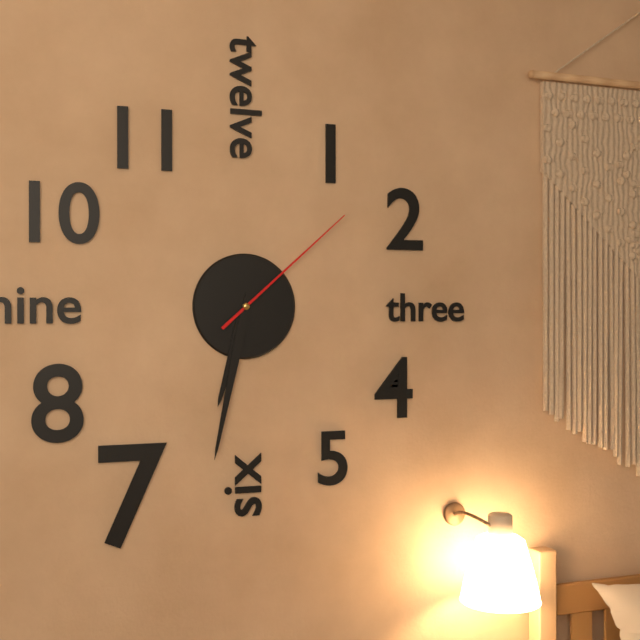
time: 6:32:08
